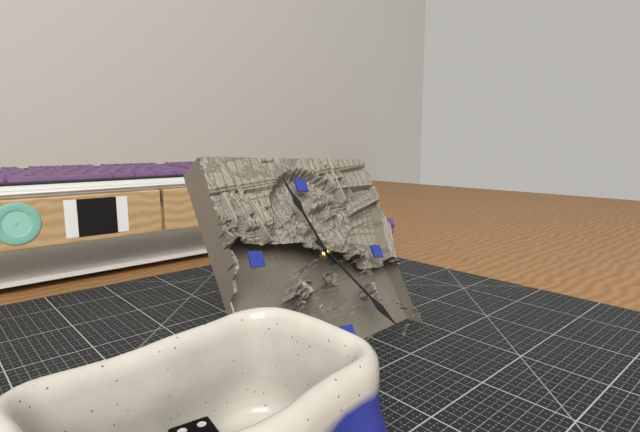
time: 11:24
